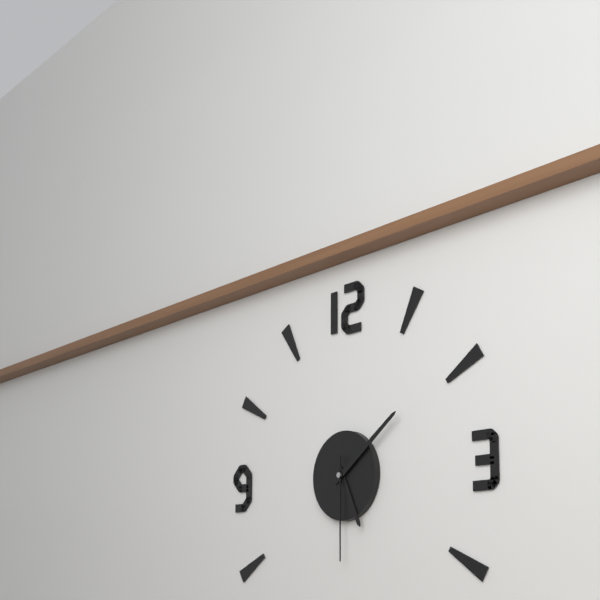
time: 5:09:30
